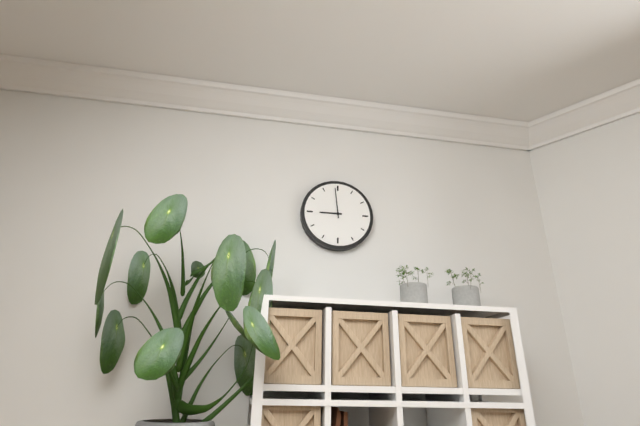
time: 8:59
